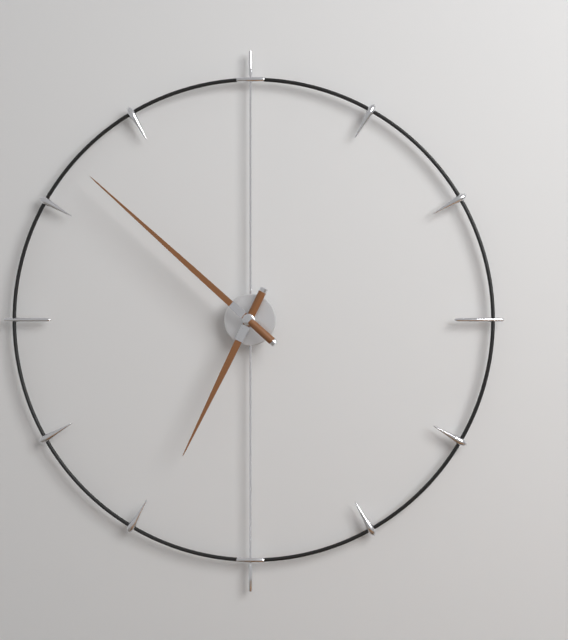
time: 6:52
